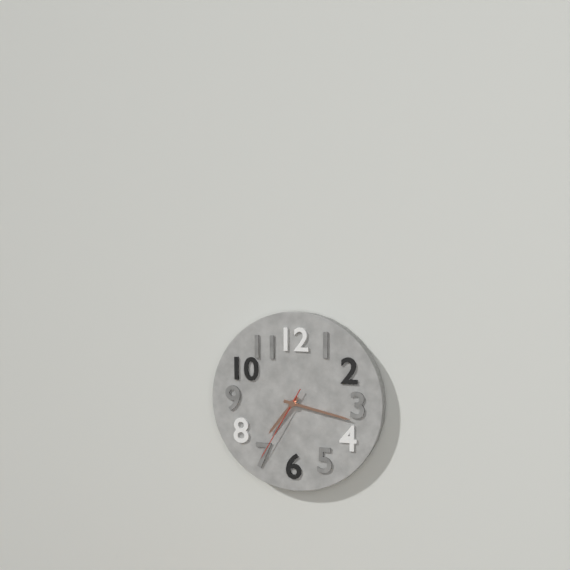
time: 7:17:35
